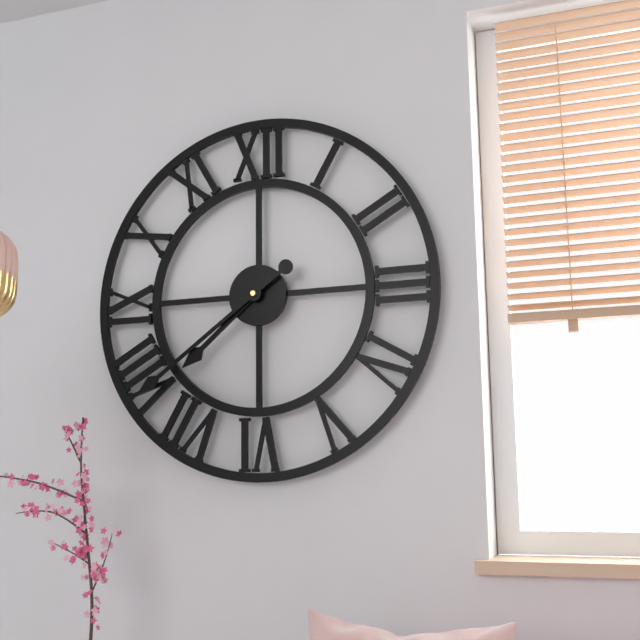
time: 7:39
